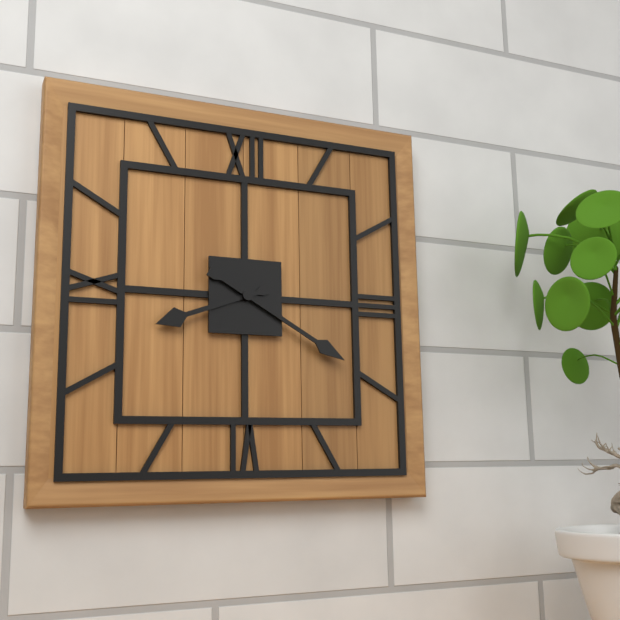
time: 8:20
